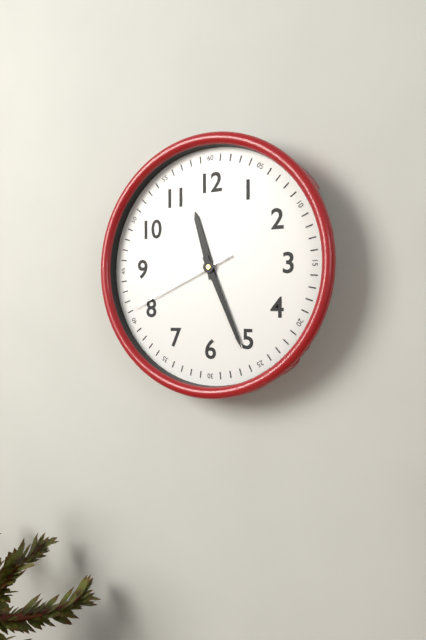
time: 11:26:41
